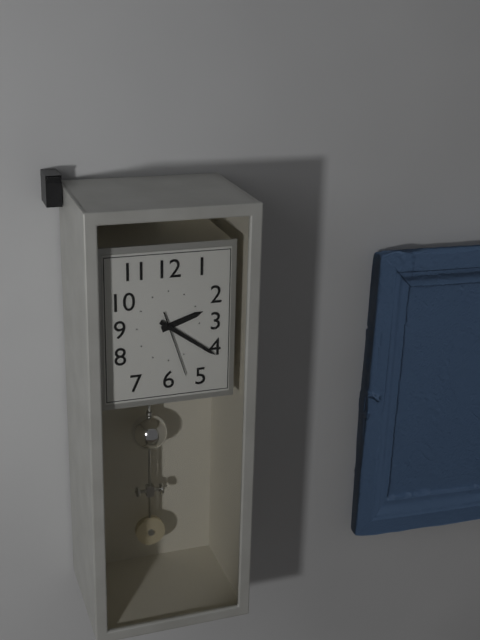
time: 2:21:27
